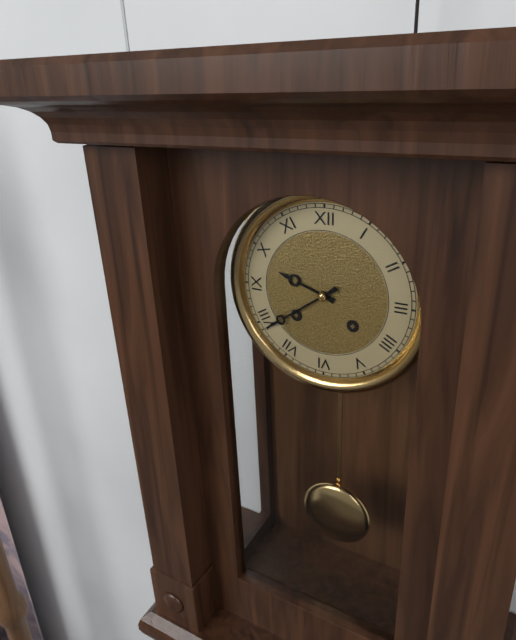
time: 9:39
